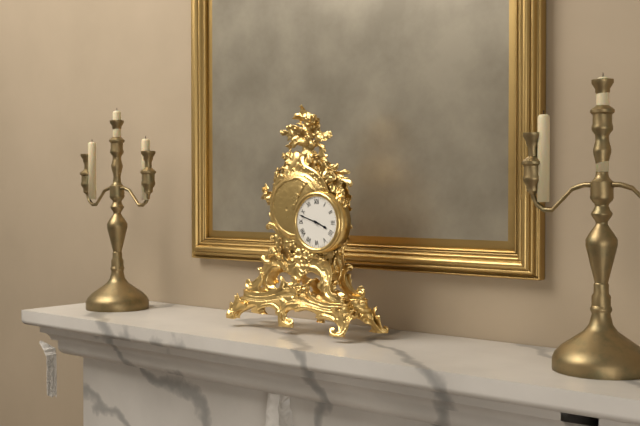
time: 3:48
